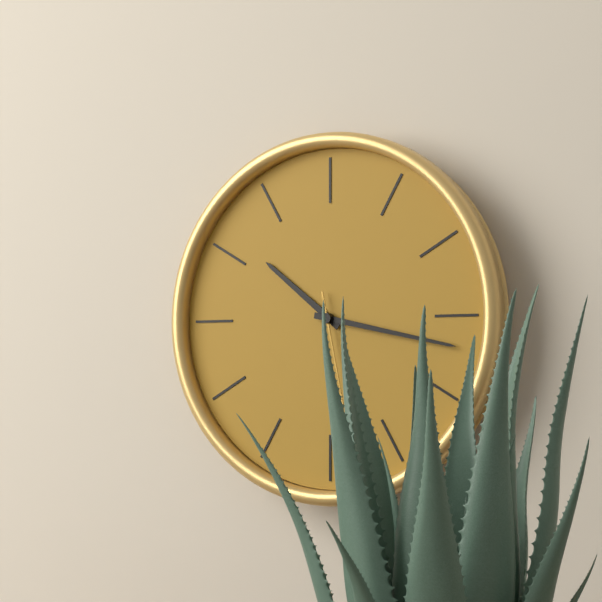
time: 10:17
